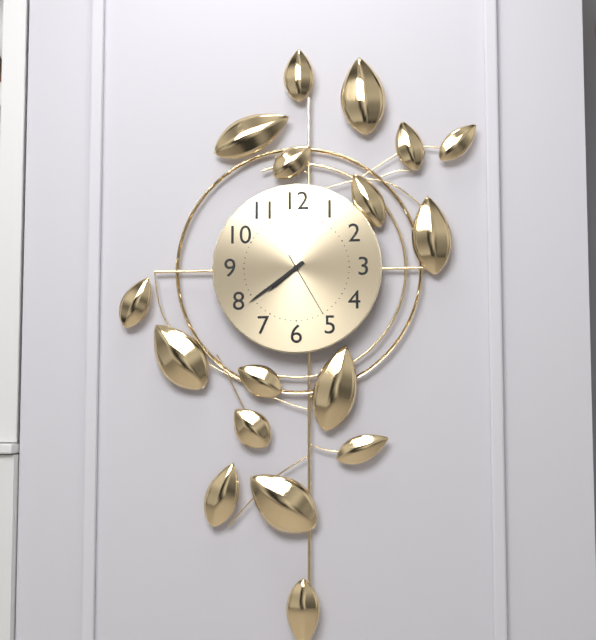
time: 7:39:25
